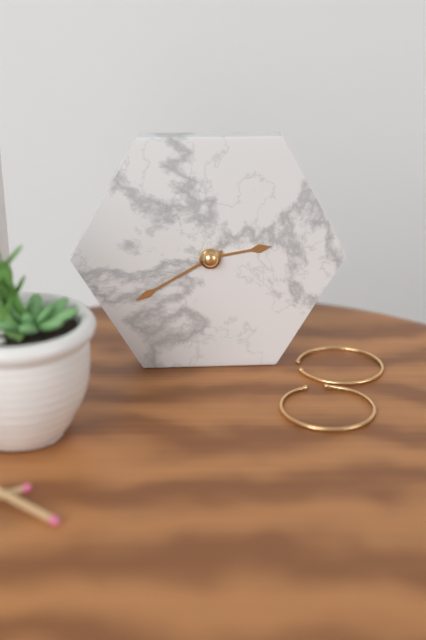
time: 2:40
